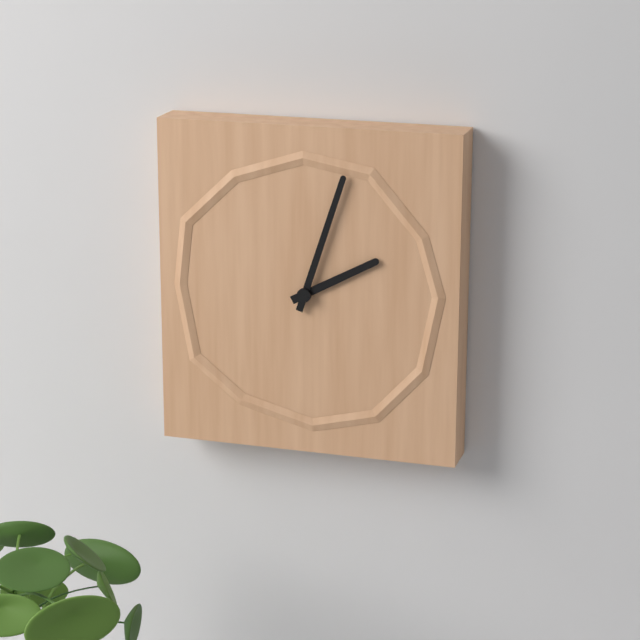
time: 2:03
